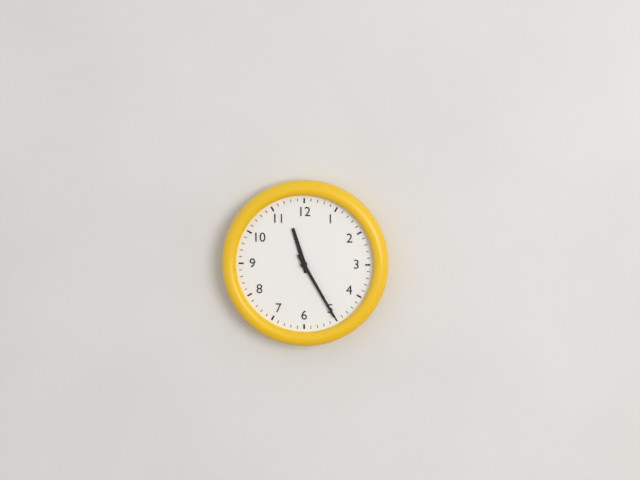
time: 11:25
